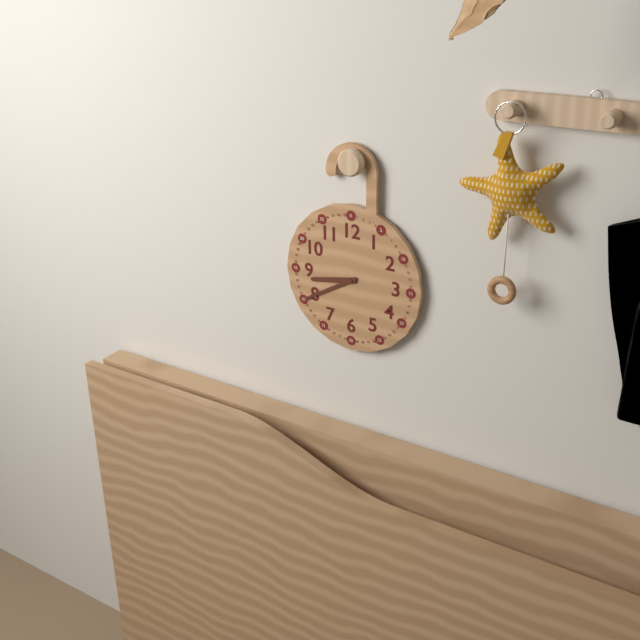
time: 8:40
